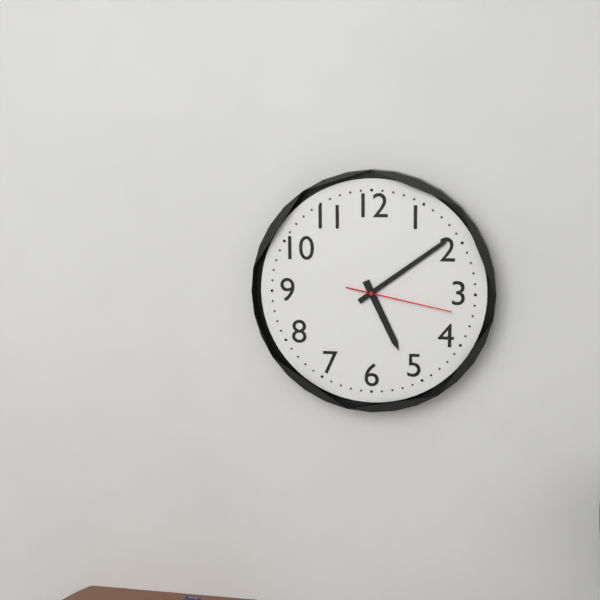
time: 5:09:17
